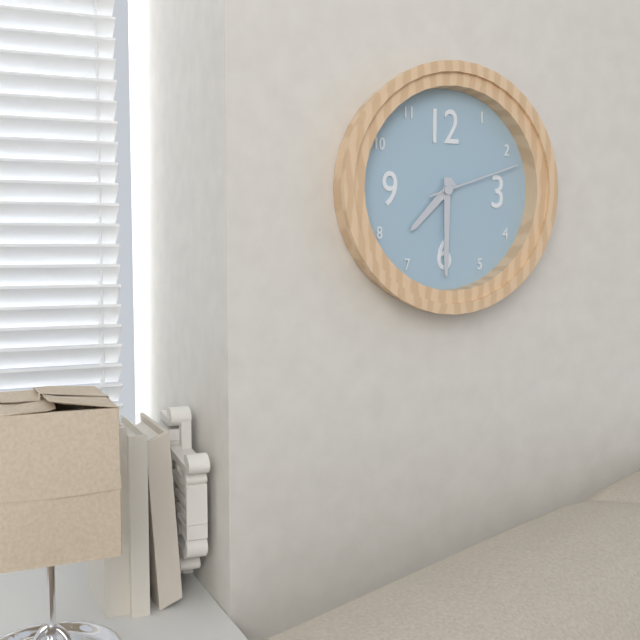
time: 7:30:12
